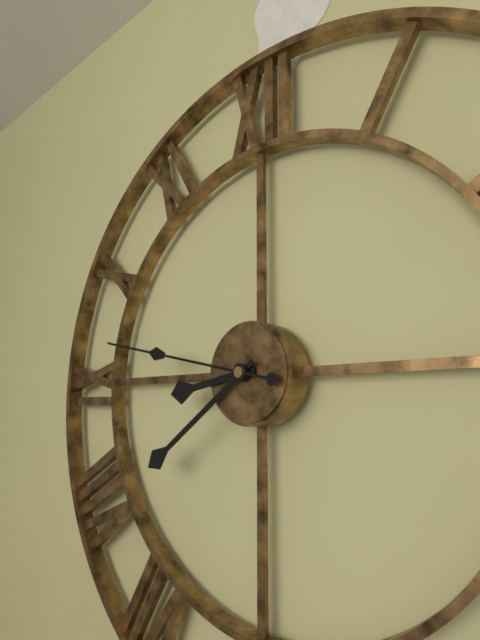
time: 8:39:47
